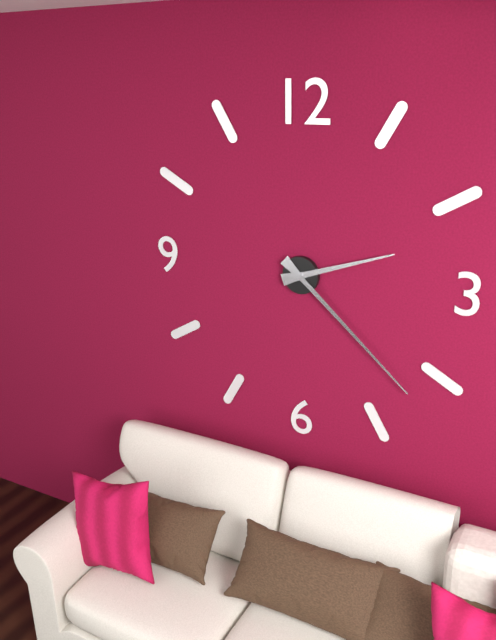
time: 2:22
